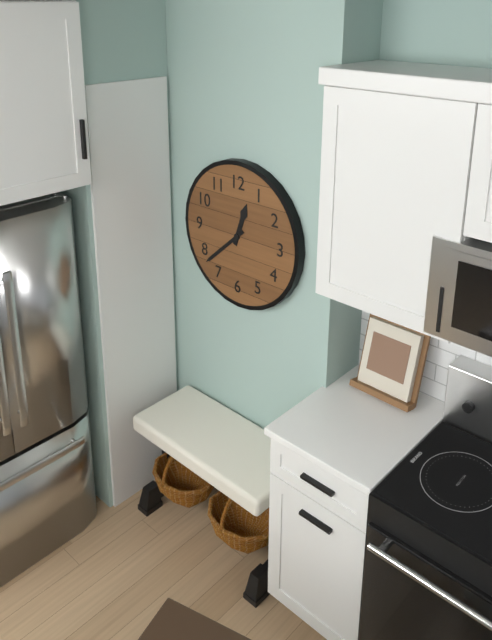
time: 12:38
